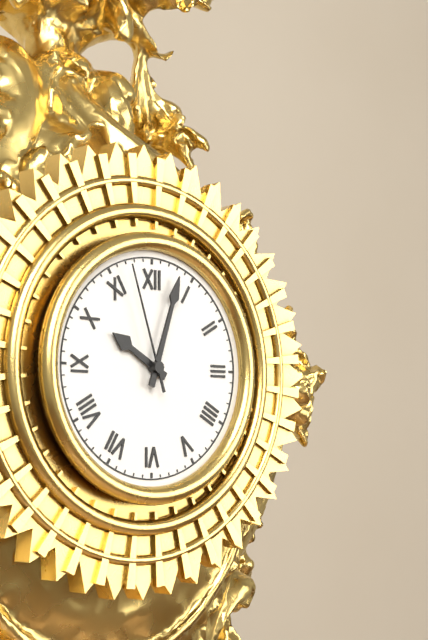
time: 10:03:57
